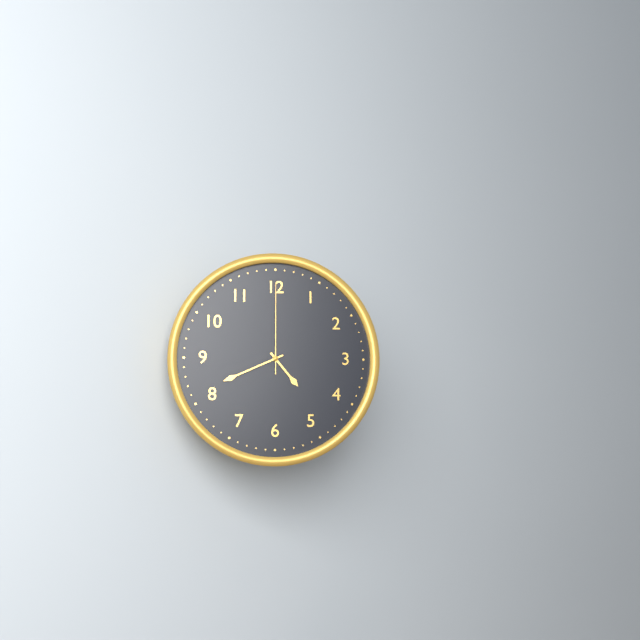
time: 4:41:00
